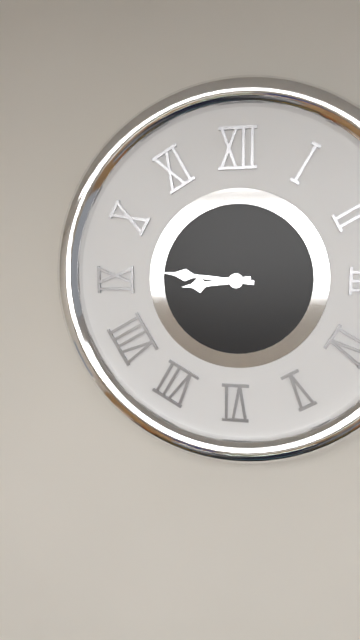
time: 8:46
